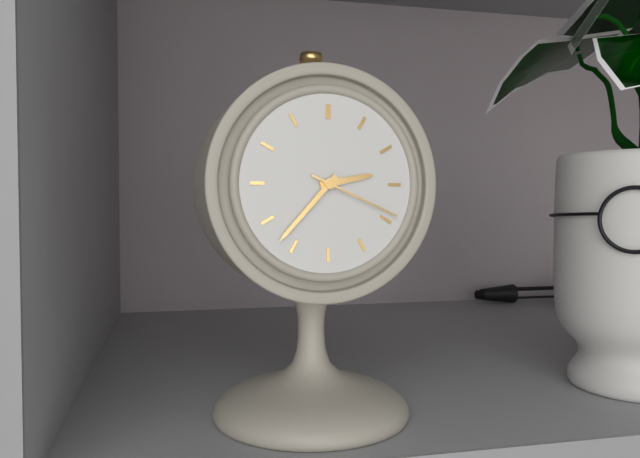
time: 2:37:19
